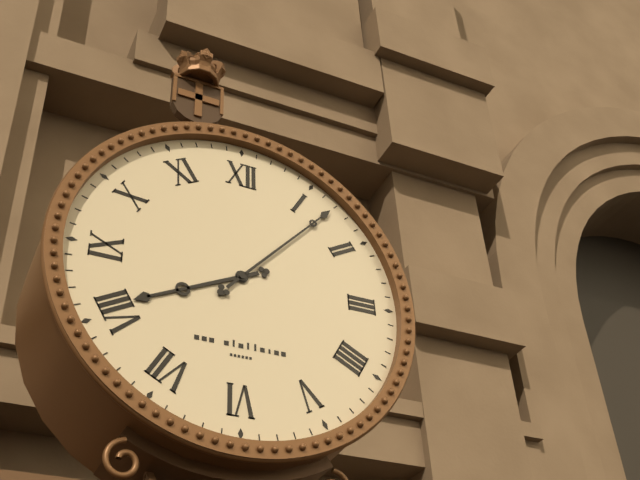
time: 8:07
